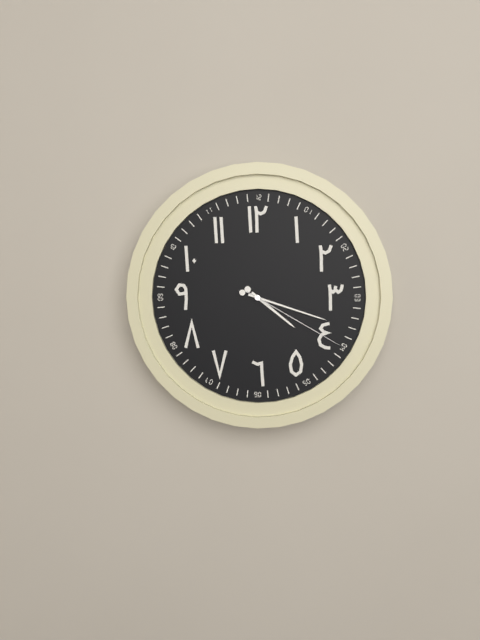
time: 4:18:20
